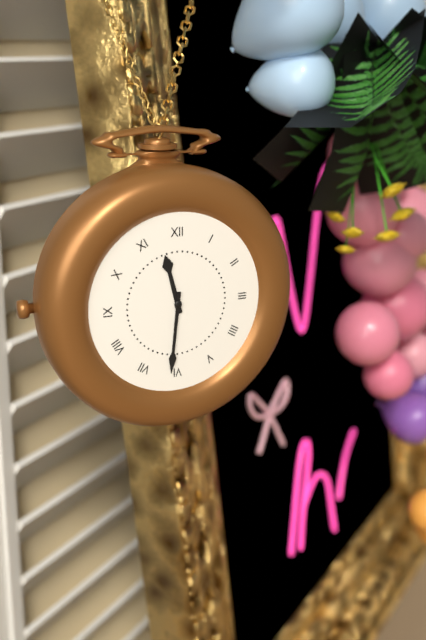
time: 11:31
